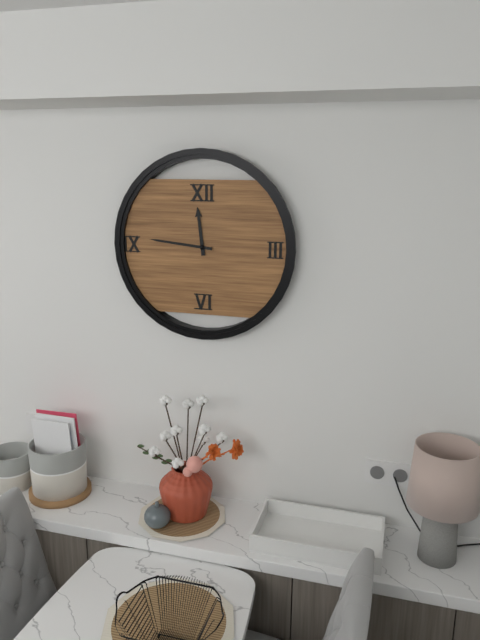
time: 11:46
